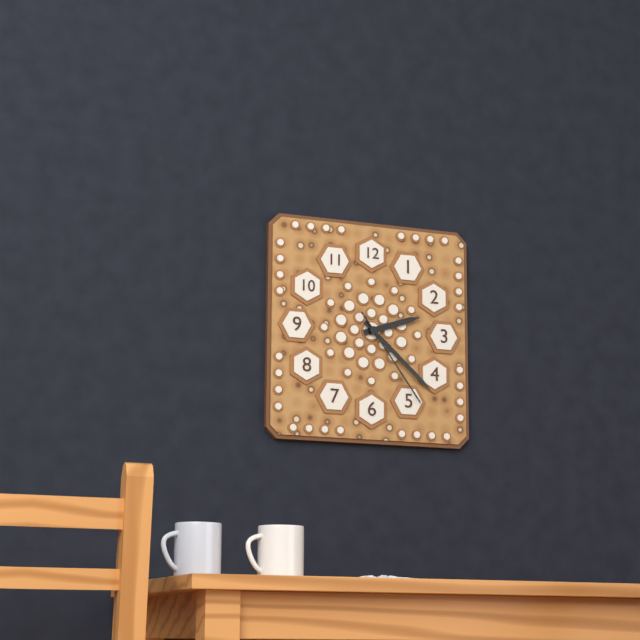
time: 2:22:24
